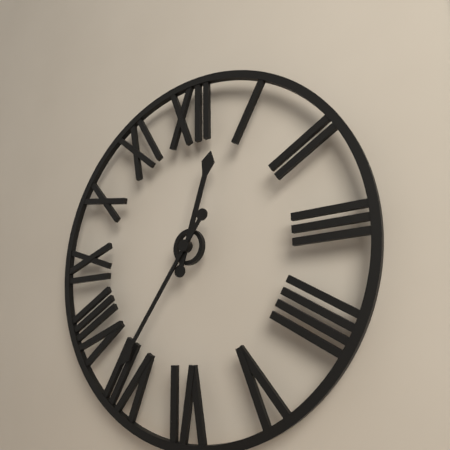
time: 12:36
